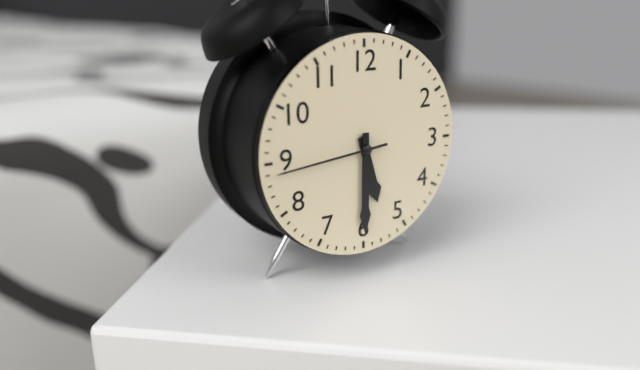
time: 5:30:44
